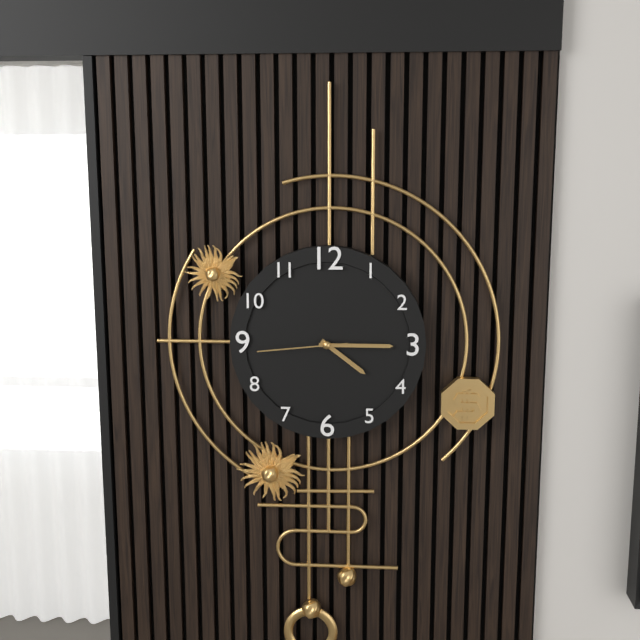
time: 4:15:44
